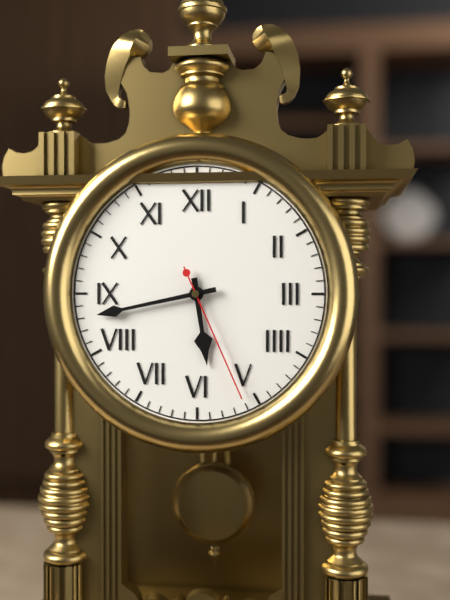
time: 5:43:26
